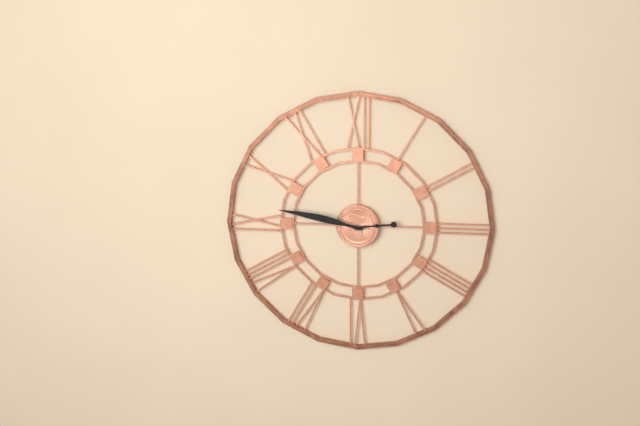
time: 2:47
